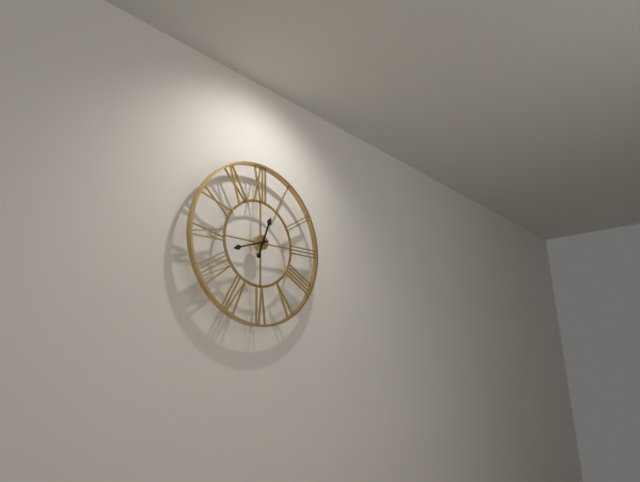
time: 12:42
